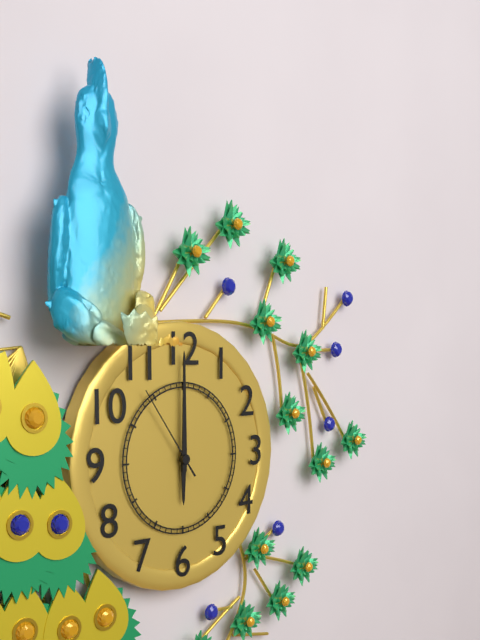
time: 6:00:54
